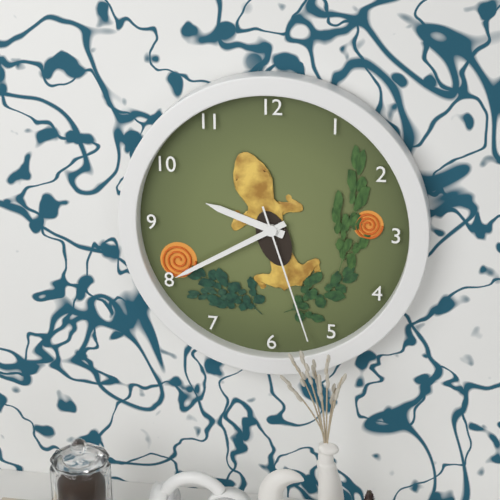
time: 9:40:27
